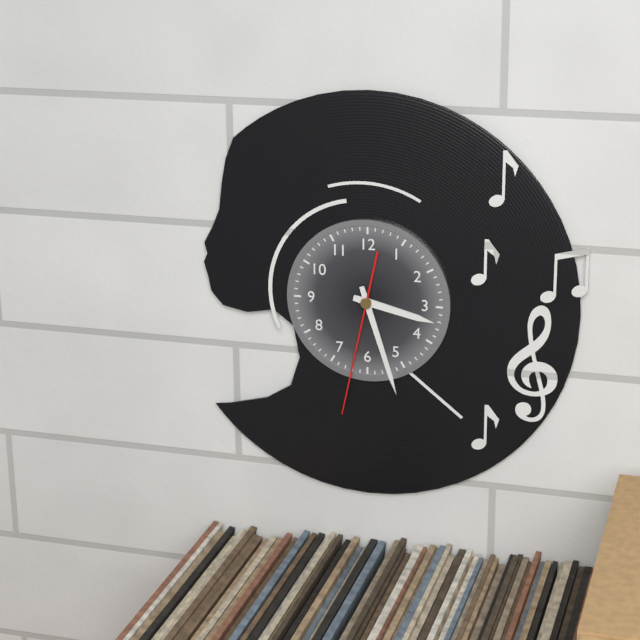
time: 3:27:32
